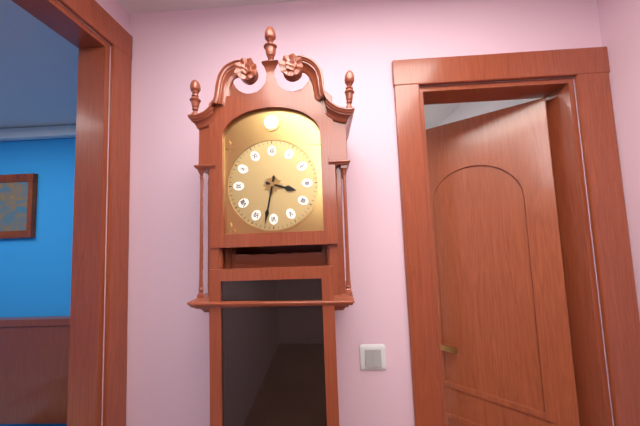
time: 3:32
